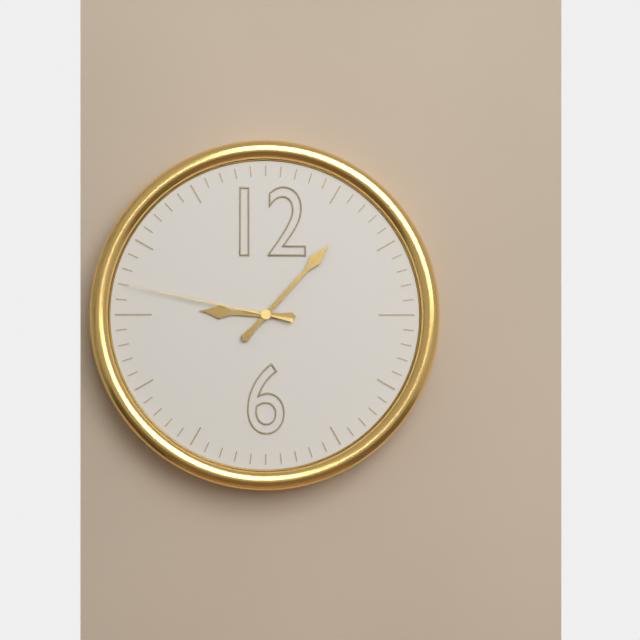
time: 9:07:47
